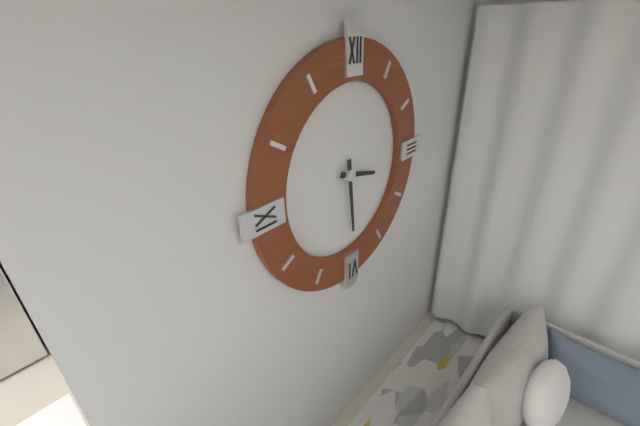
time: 3:29
